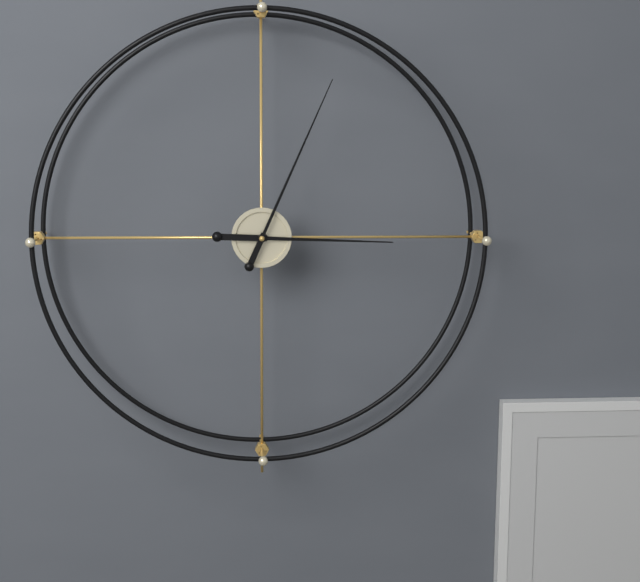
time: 3:04
